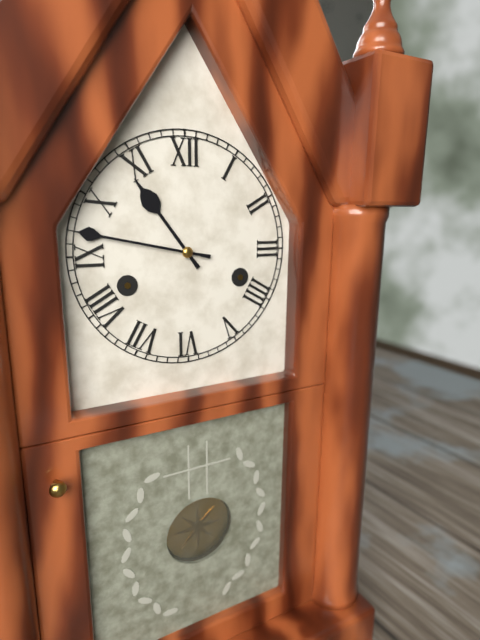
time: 10:47
